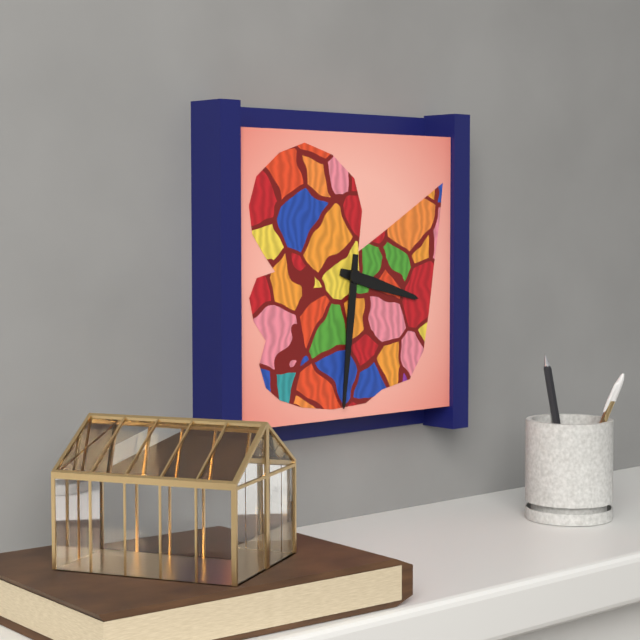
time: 3:31
